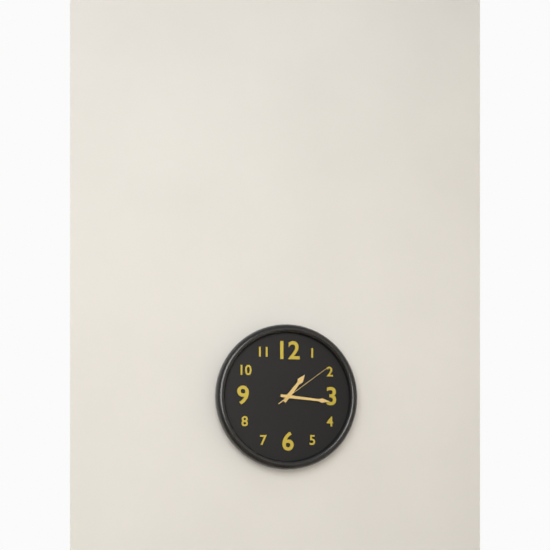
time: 1:16:09
